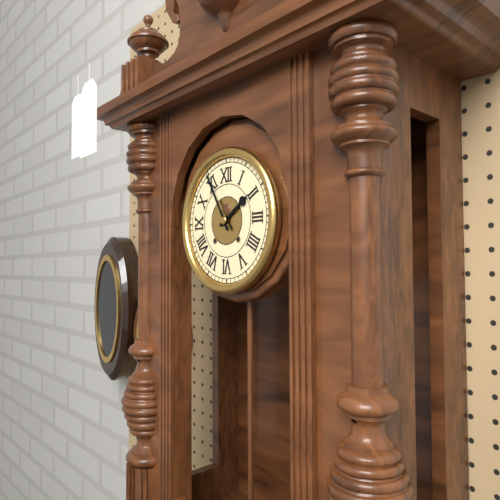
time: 1:55
